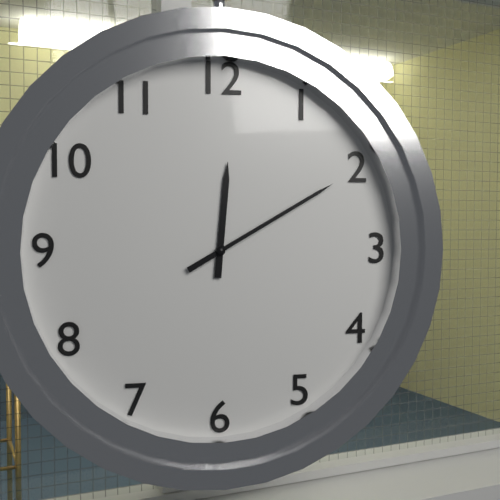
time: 12:10
